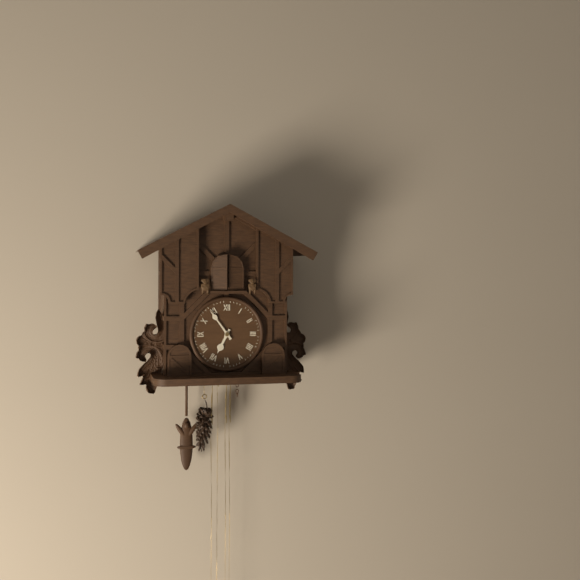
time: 6:54
